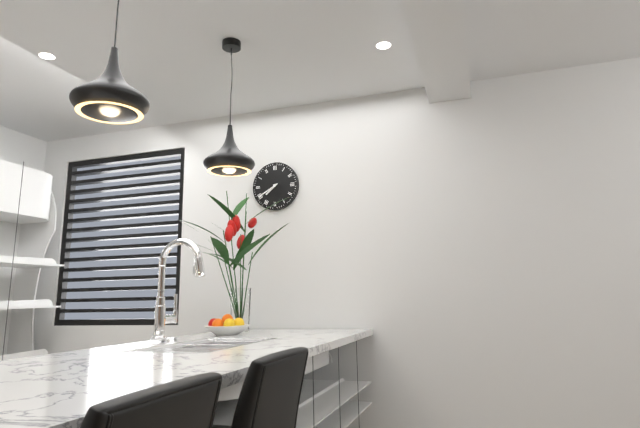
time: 7:40
